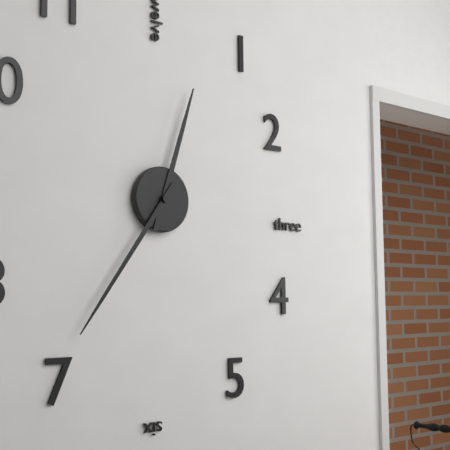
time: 12:36
